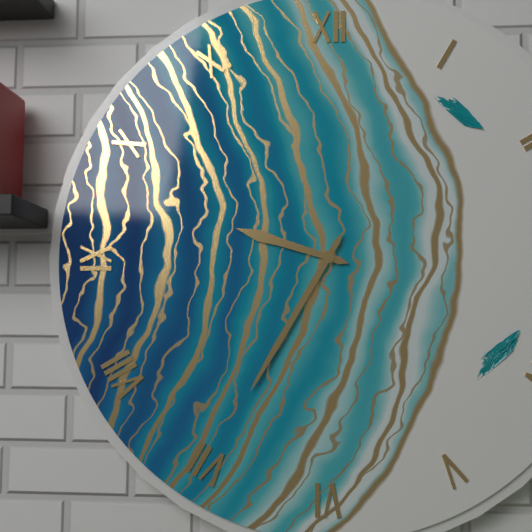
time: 9:35
